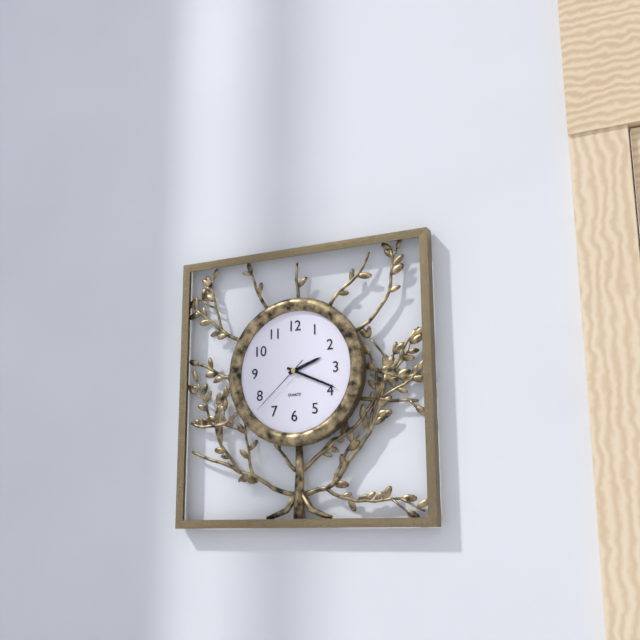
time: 2:19:38
